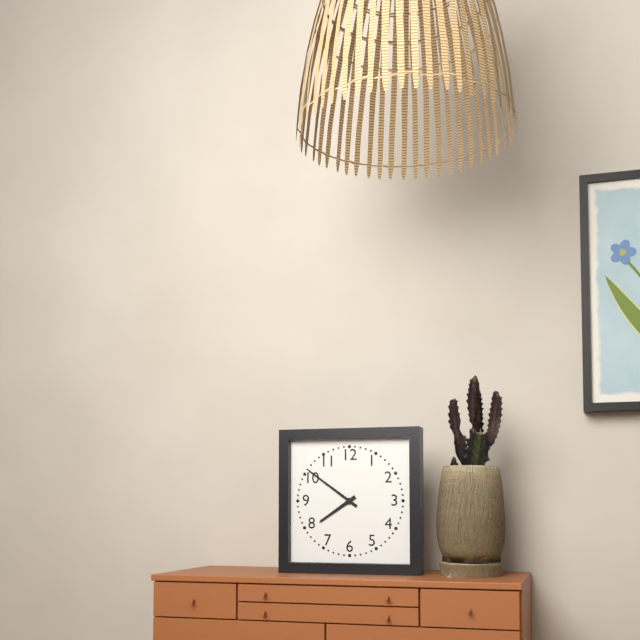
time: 7:51
